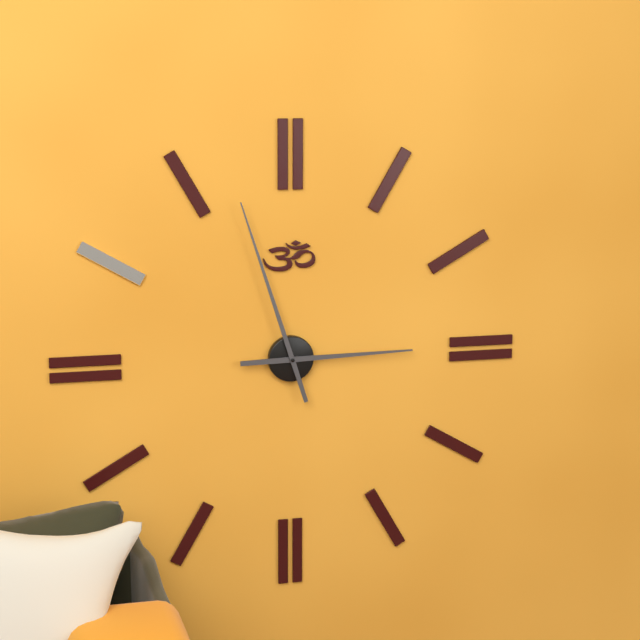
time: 2:57
